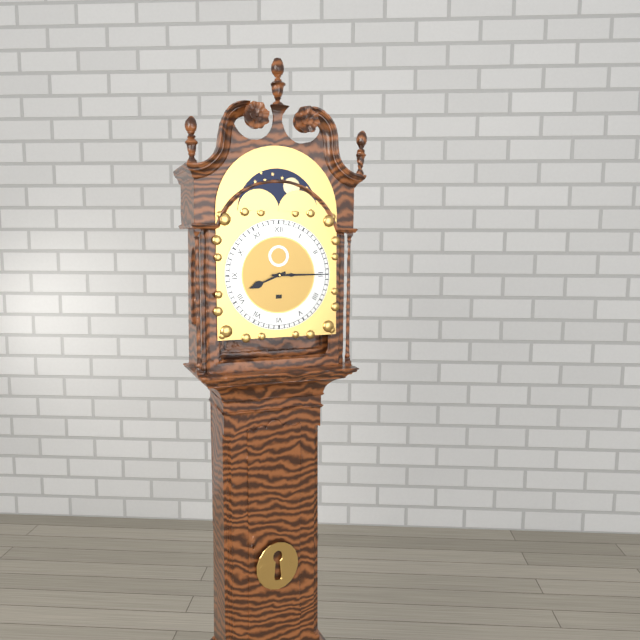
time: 8:15
